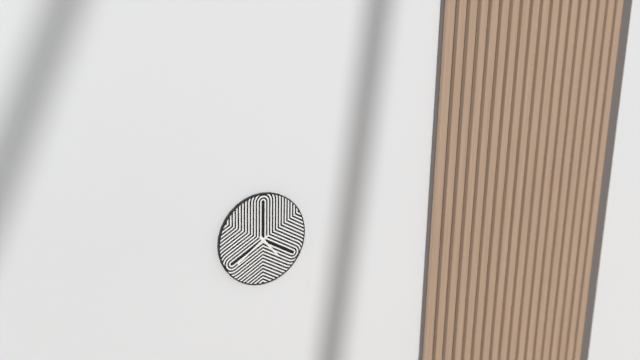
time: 4:39
